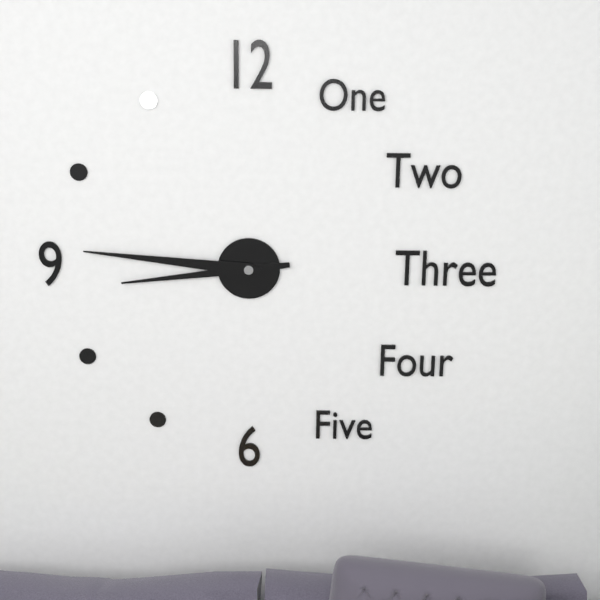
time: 8:46
